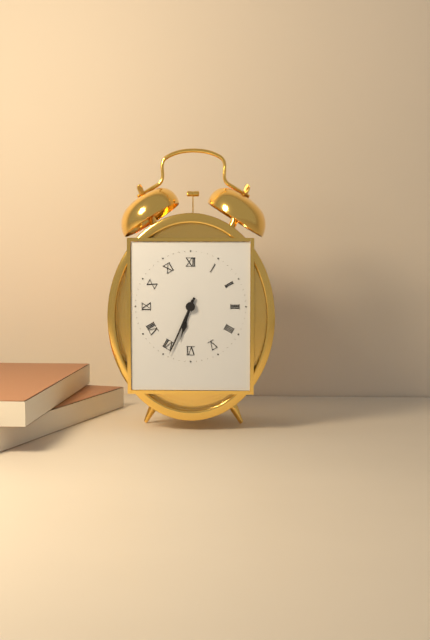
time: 6:34
